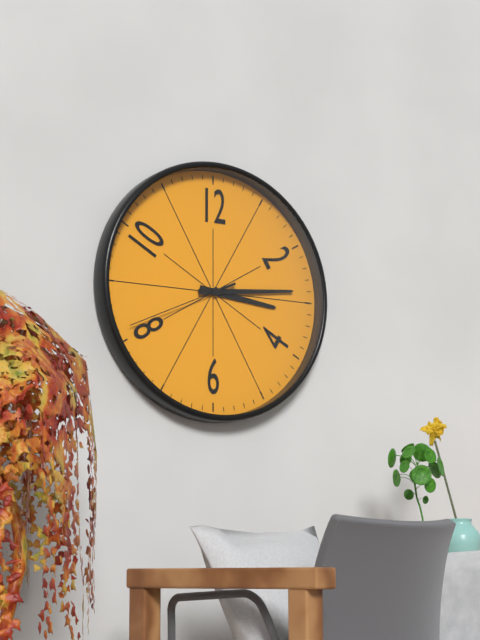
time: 3:14:41
